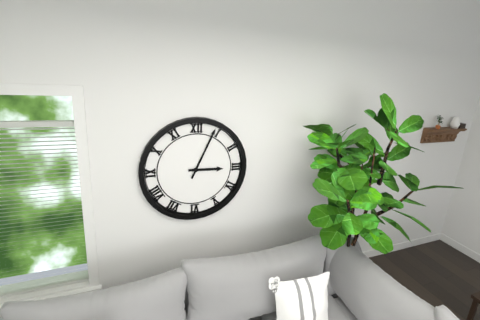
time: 3:04
